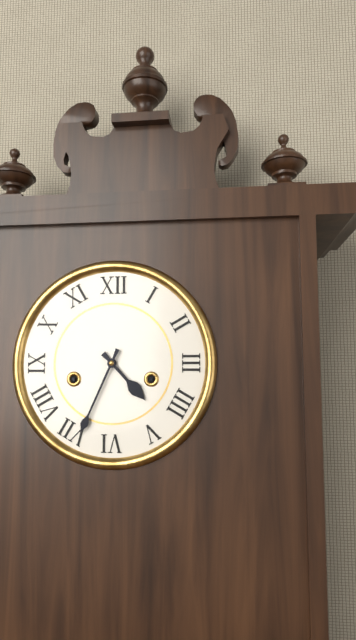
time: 4:34
